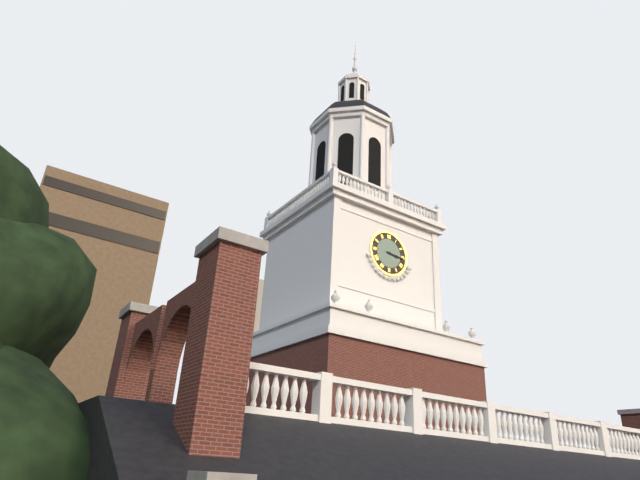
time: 3:16
